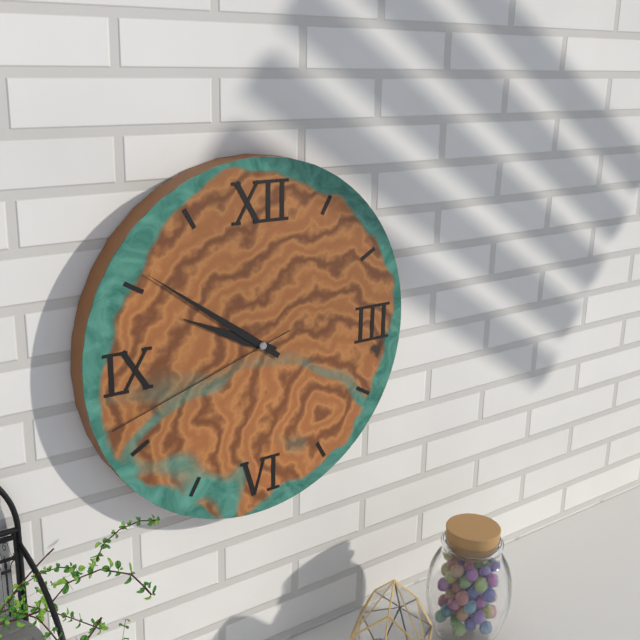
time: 9:51:42
